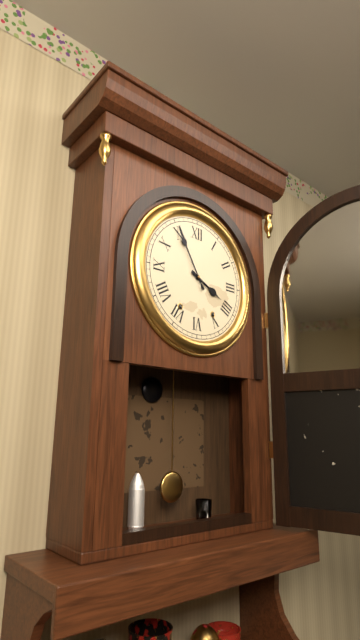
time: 3:55
